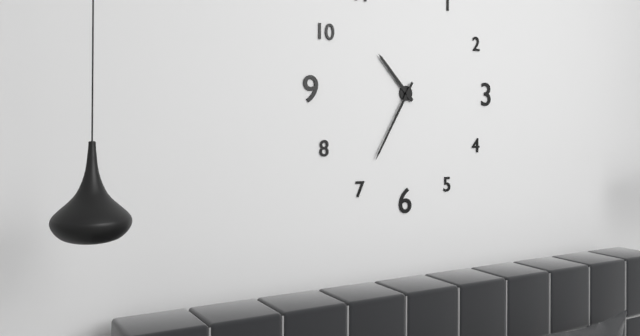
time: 10:35
